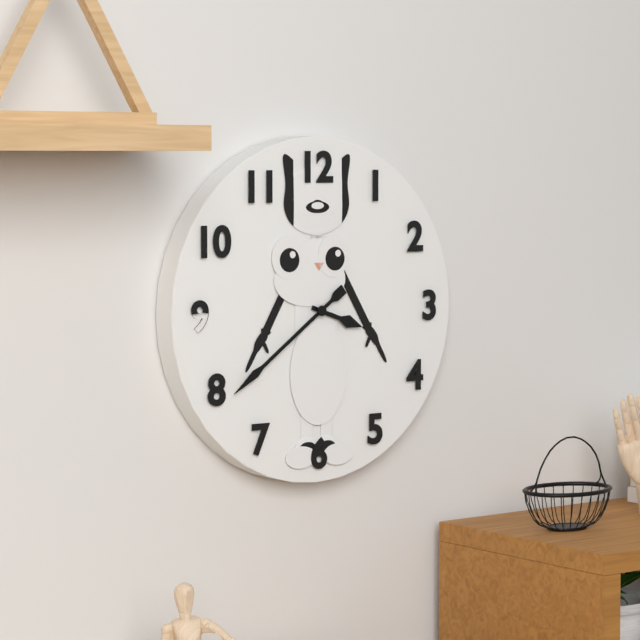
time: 3:39
